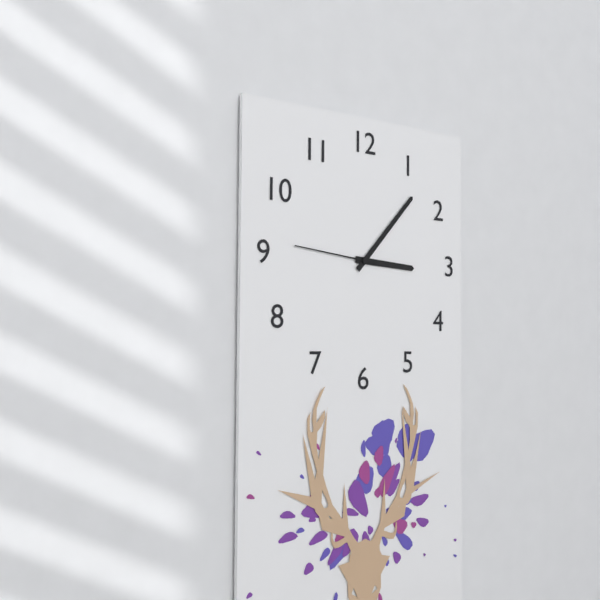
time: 3:07:46
